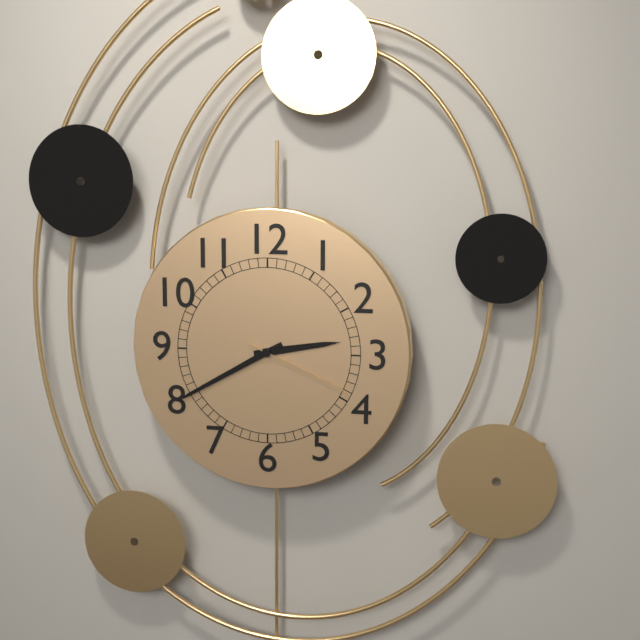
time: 2:40:19
